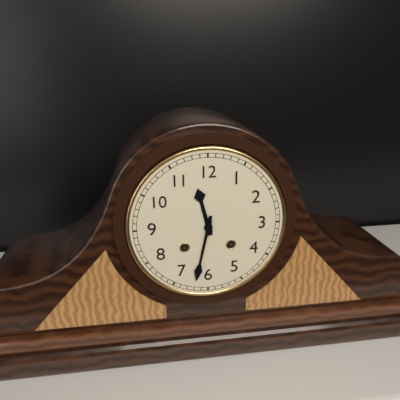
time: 11:32
